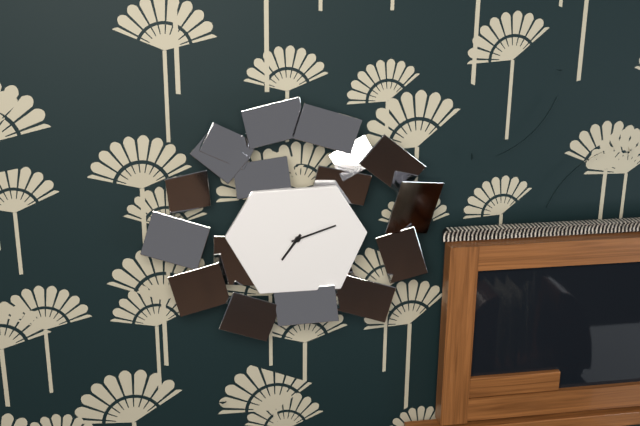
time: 7:12
